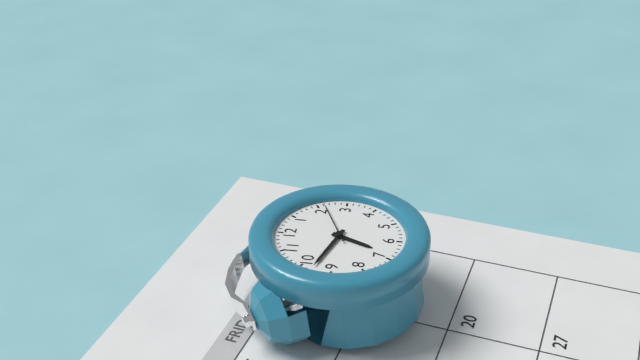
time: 6:48
